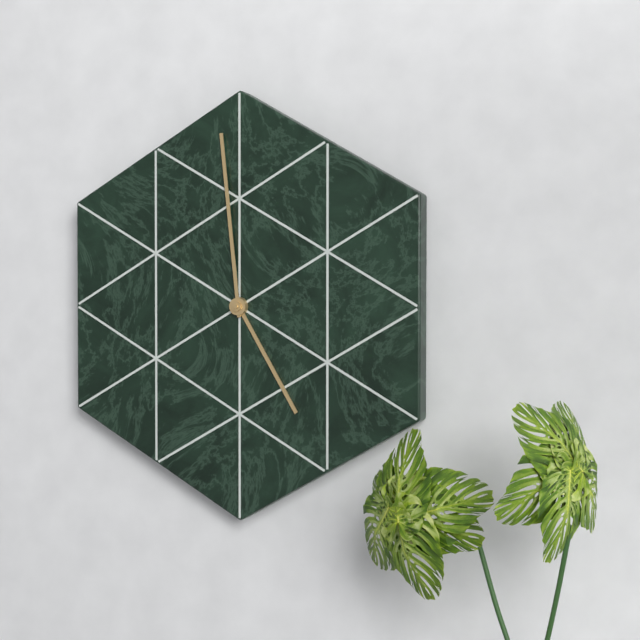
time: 4:59
